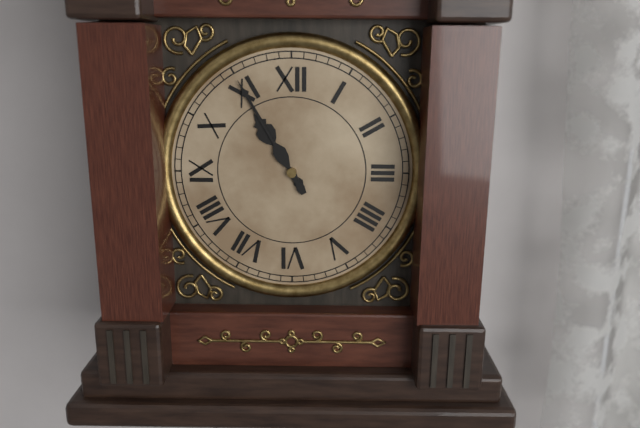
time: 10:55
